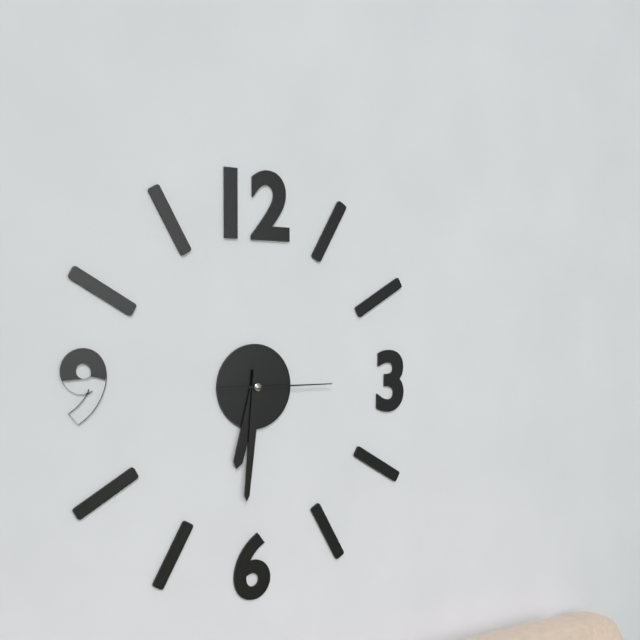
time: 6:31:15
